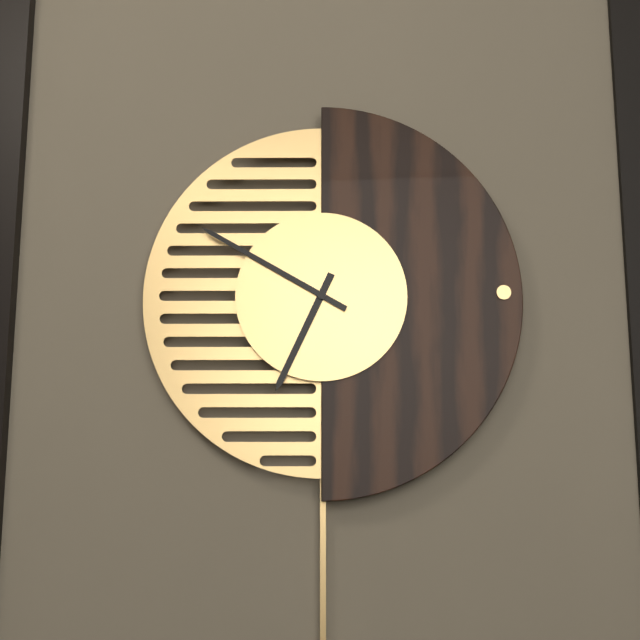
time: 6:50
